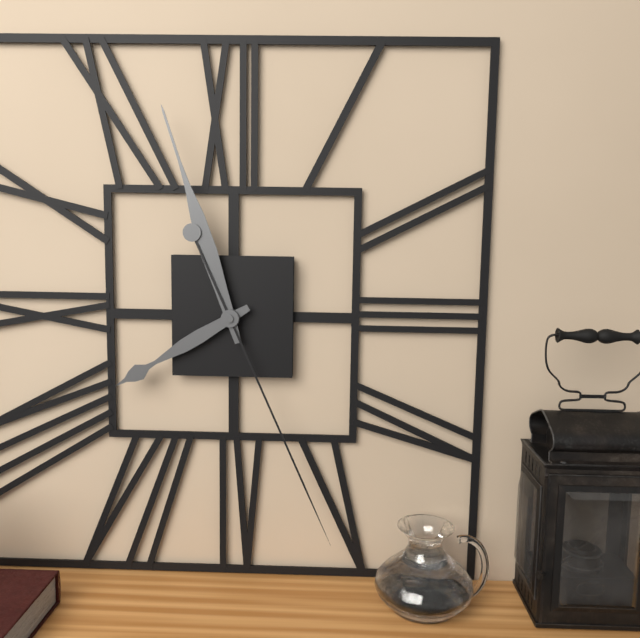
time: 7:57:26
